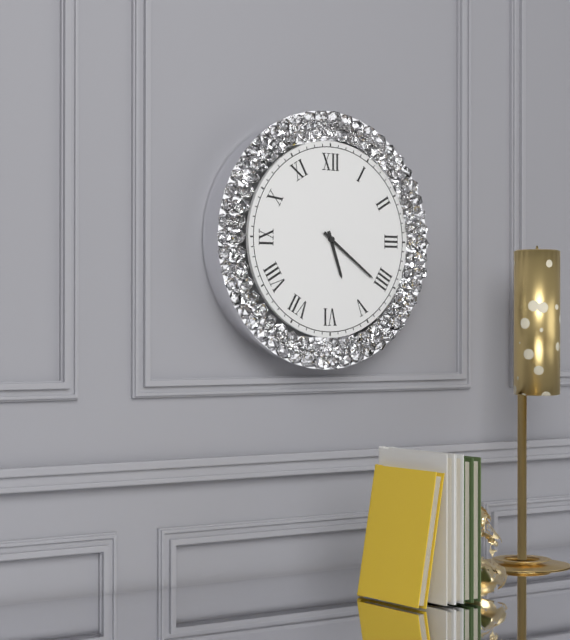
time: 5:21
